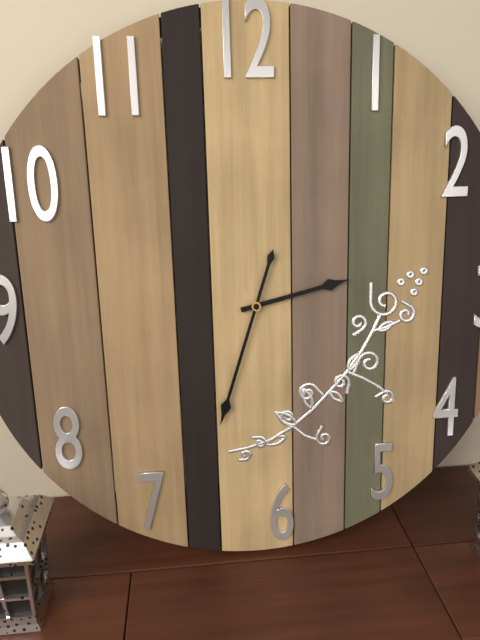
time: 2:33
